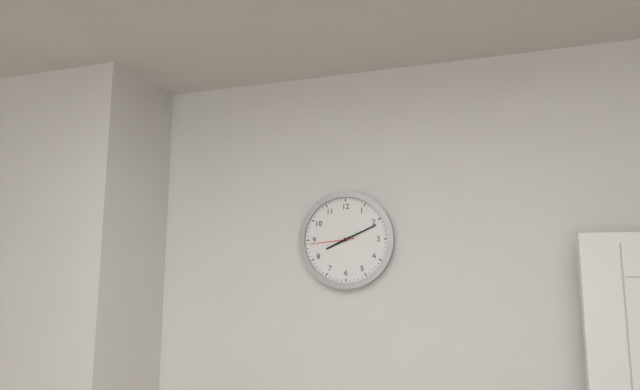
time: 8:11
